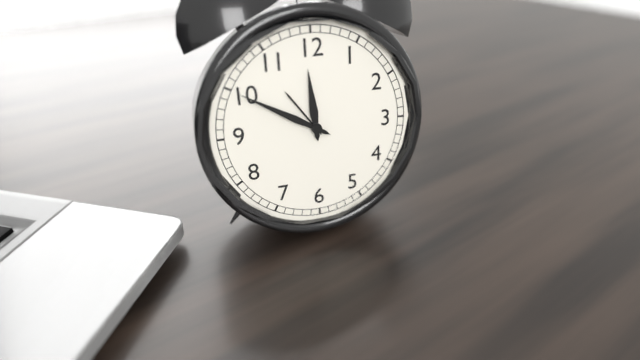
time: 11:50
